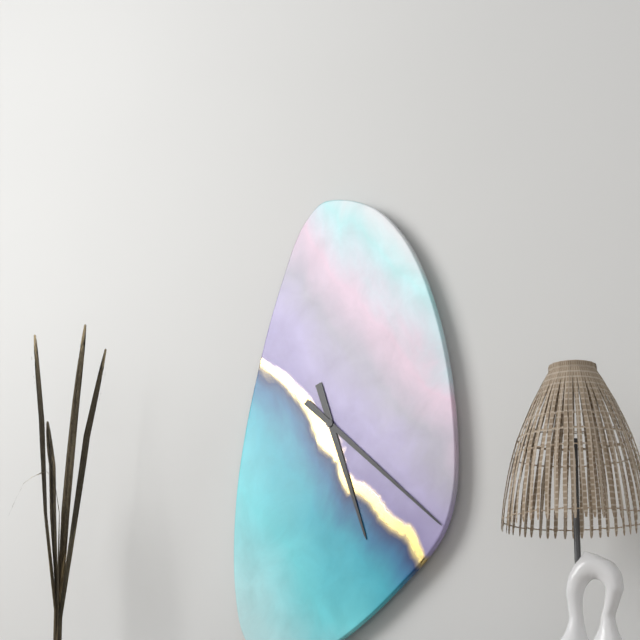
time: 5:22
